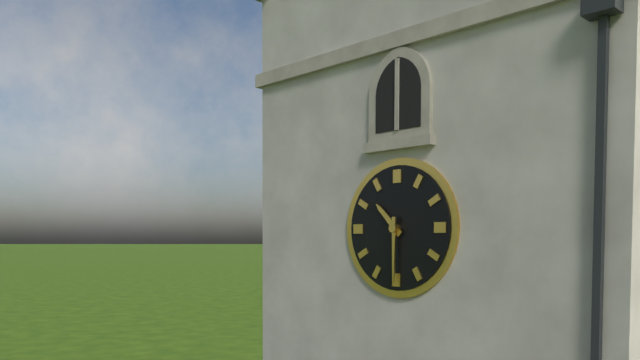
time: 10:30
